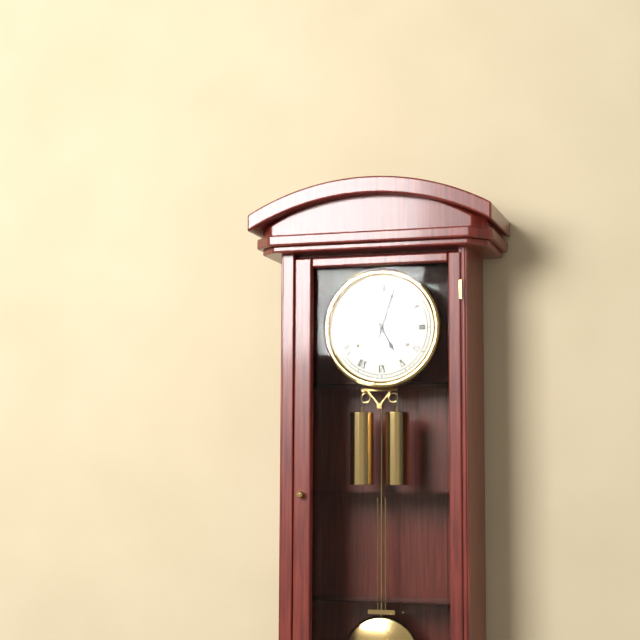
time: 5:03
